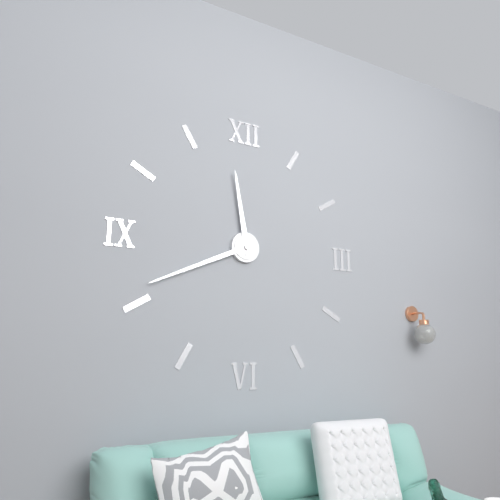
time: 11:41
